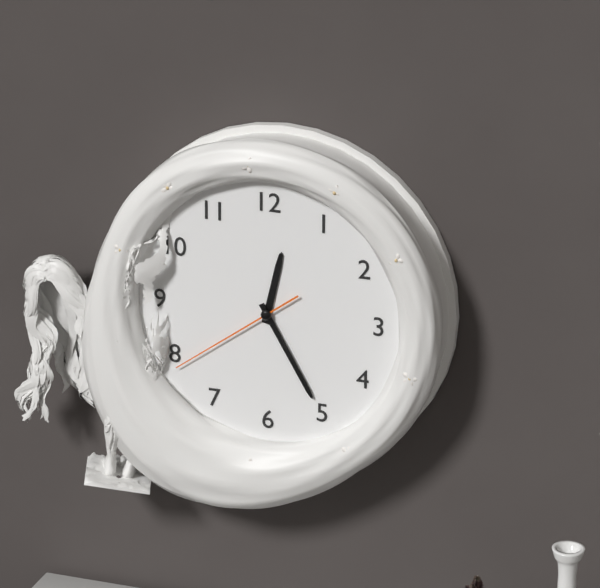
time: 12:25:39
